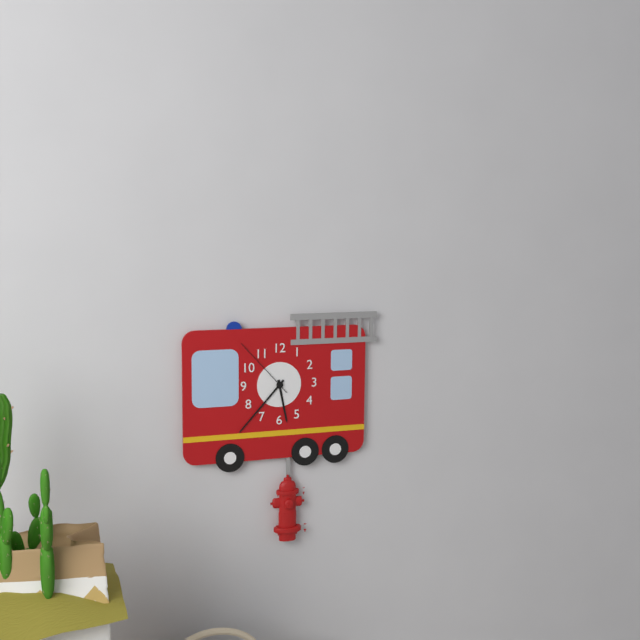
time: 5:37:53
